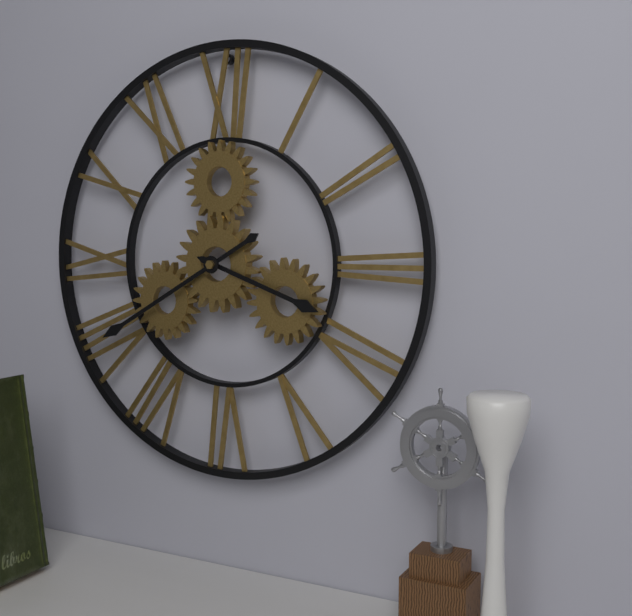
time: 3:40
